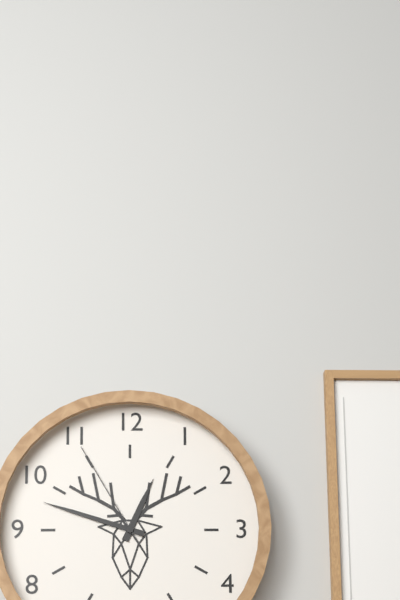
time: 12:48:55
